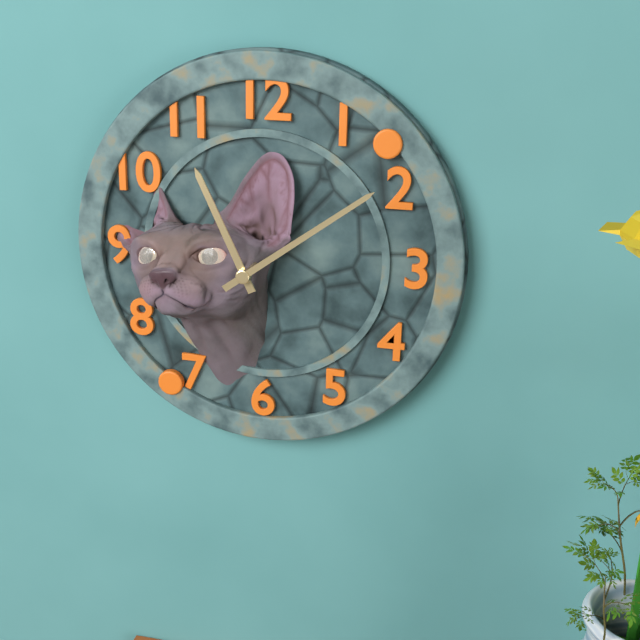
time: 11:09
